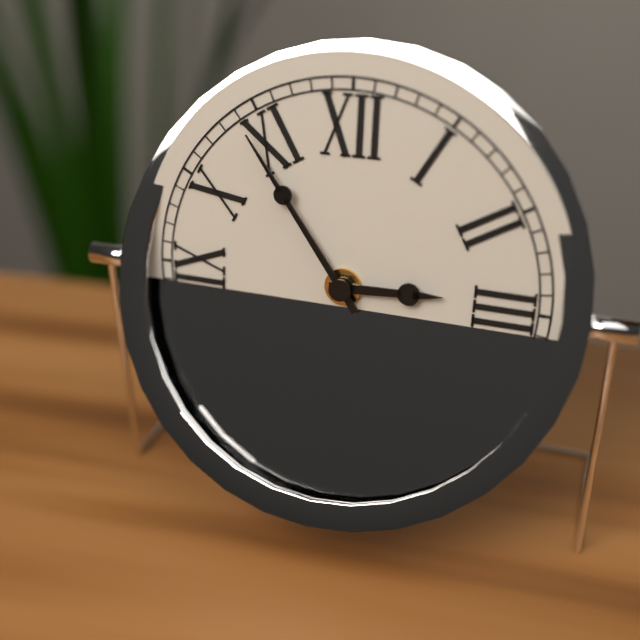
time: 2:54
